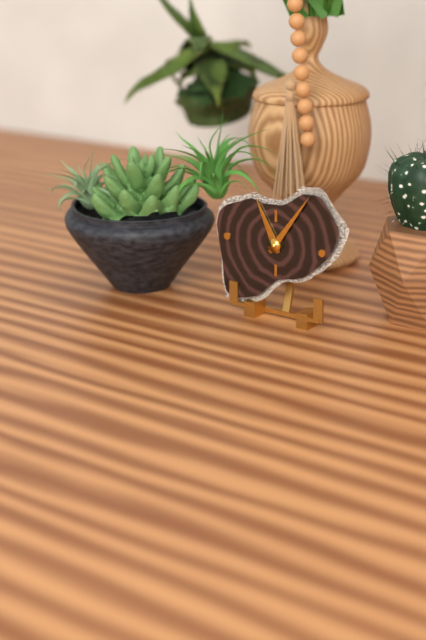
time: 11:06
